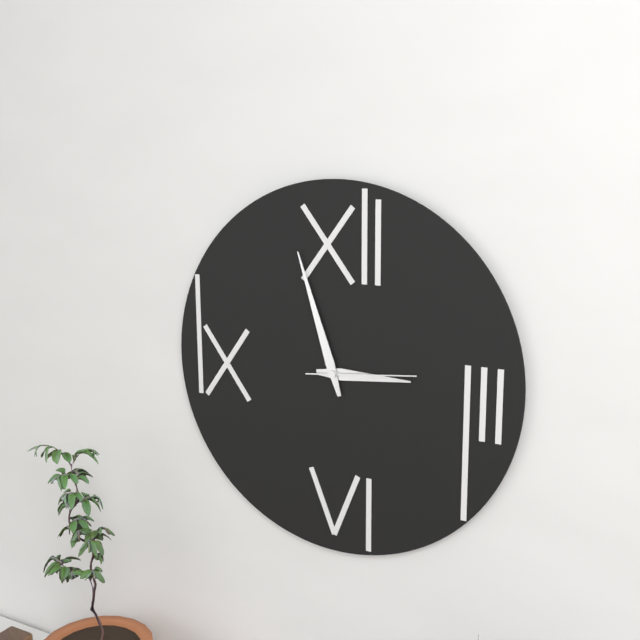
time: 2:57:14
